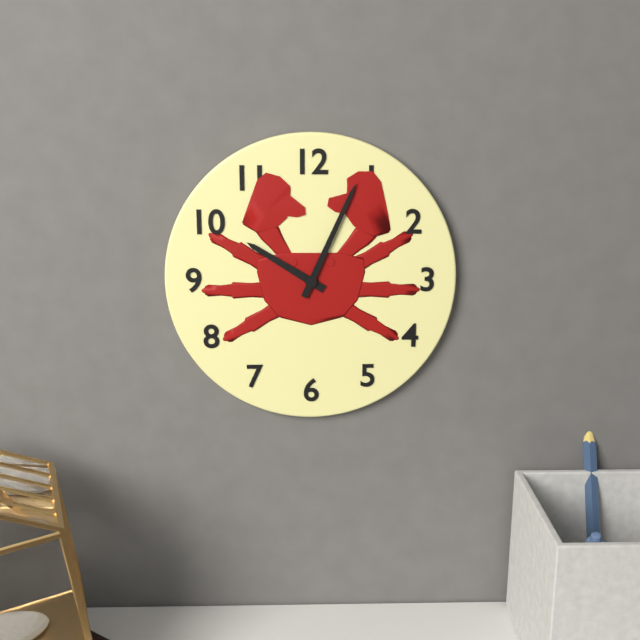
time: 10:04
